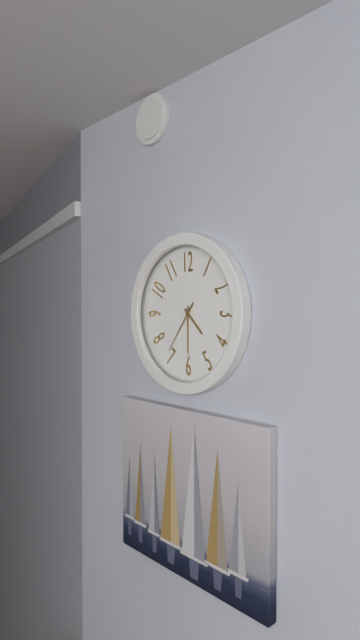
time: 4:30:36
